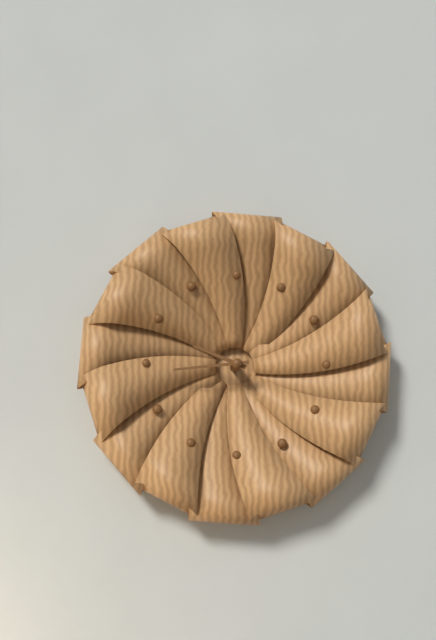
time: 9:44
